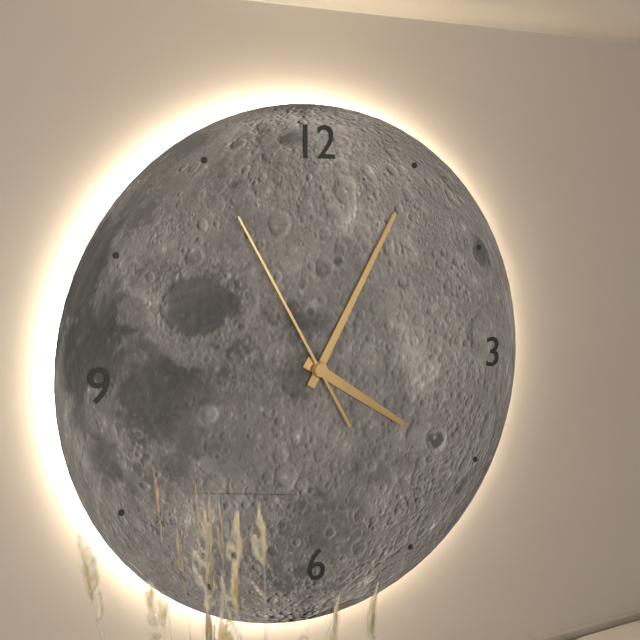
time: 4:05:55
